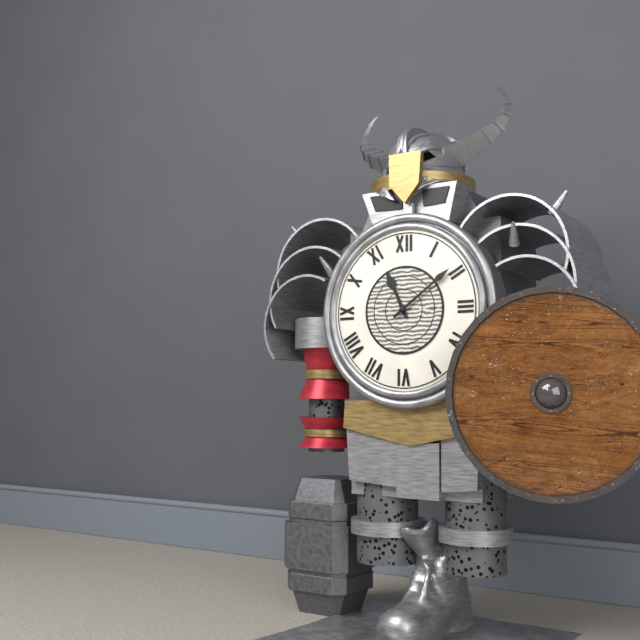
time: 11:09
